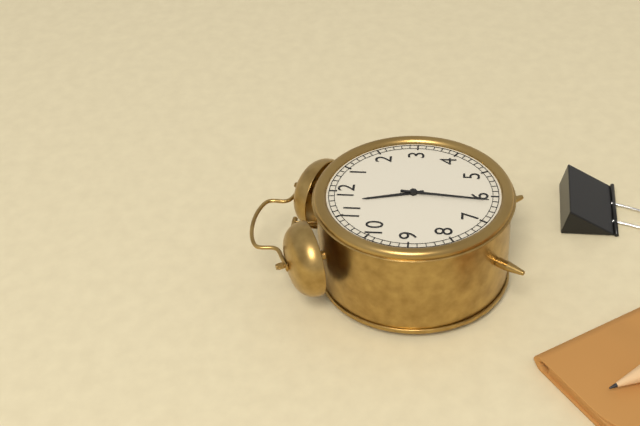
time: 11:31
